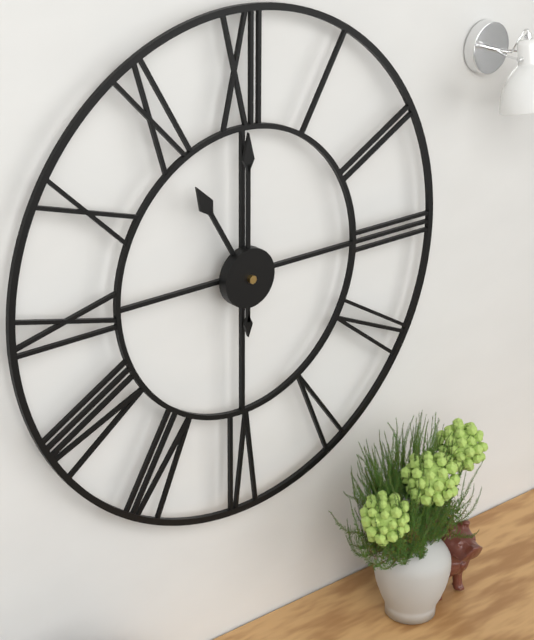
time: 11:00
